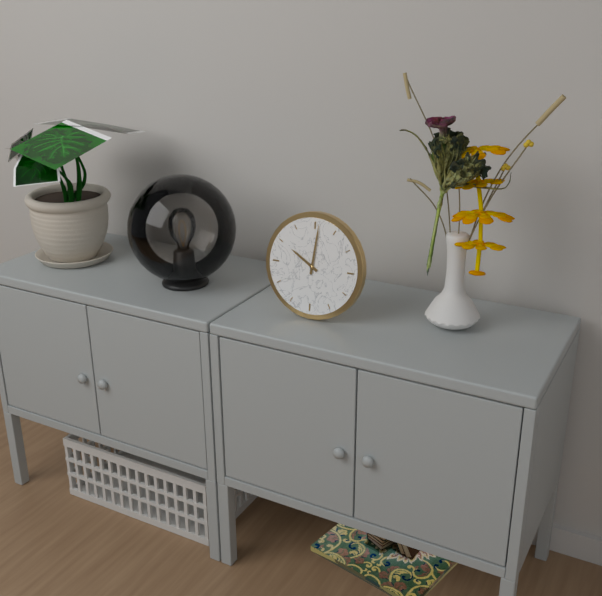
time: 10:01
